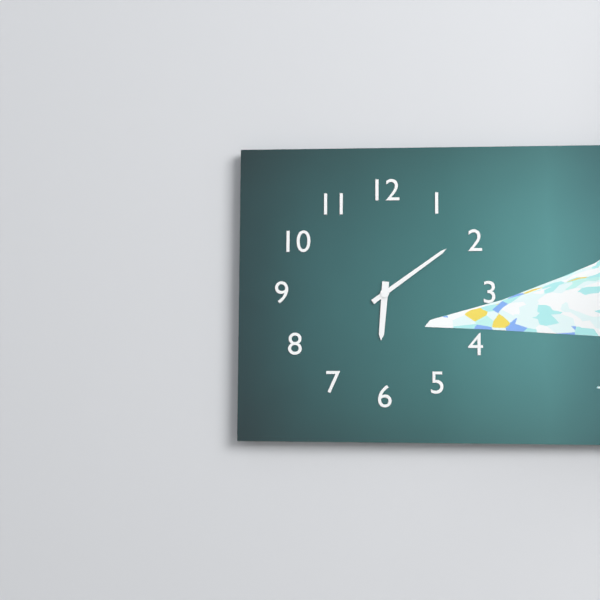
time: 6:09
